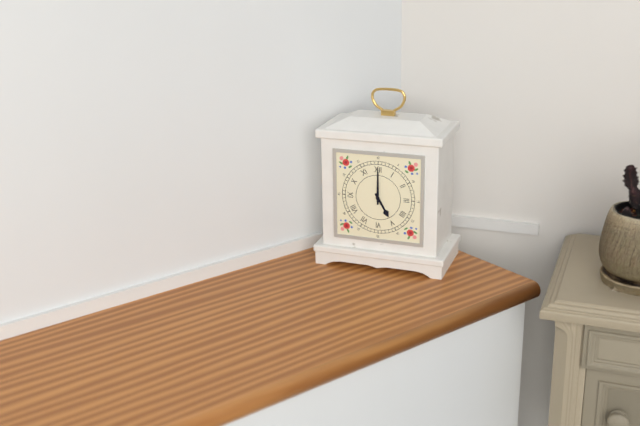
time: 5:00
